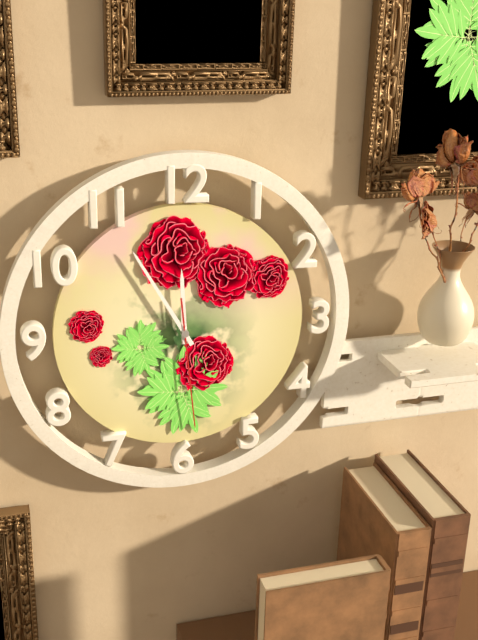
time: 11:55:29
